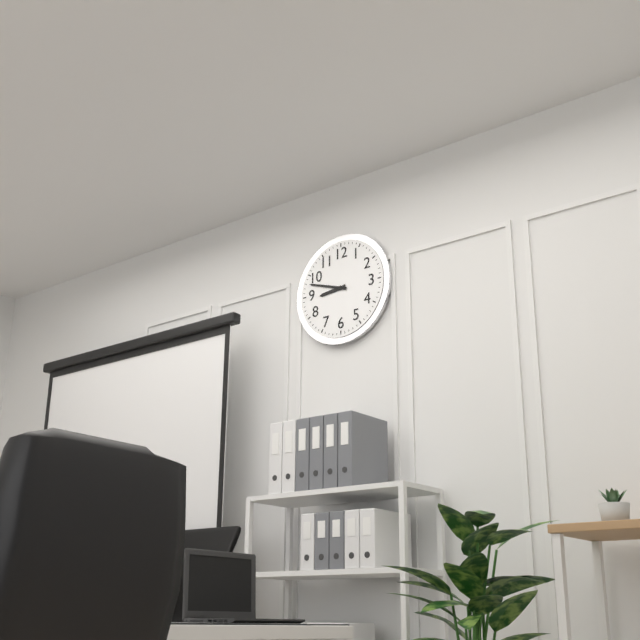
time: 8:48
